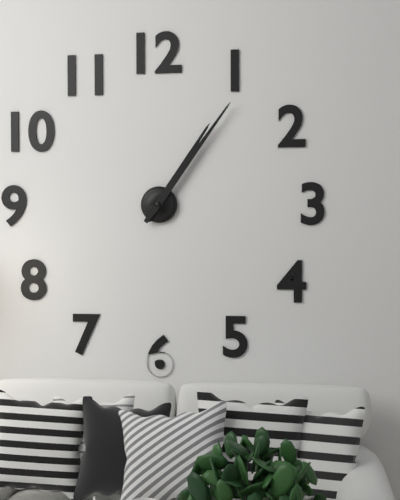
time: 1:06
